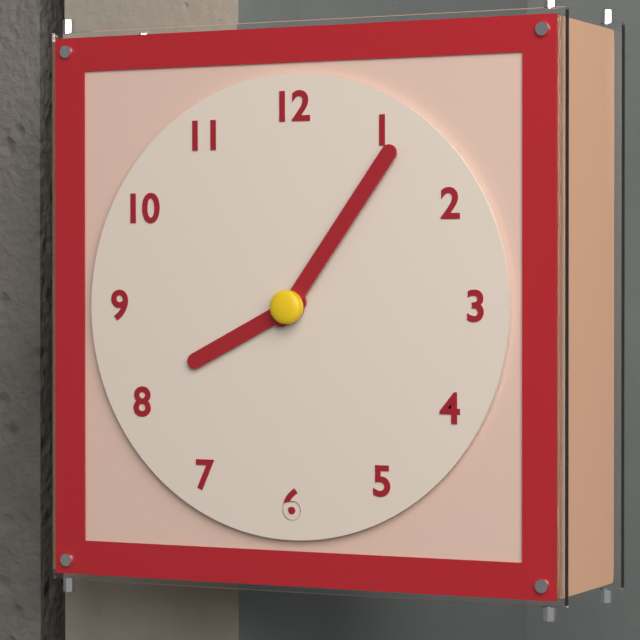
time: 8:06
